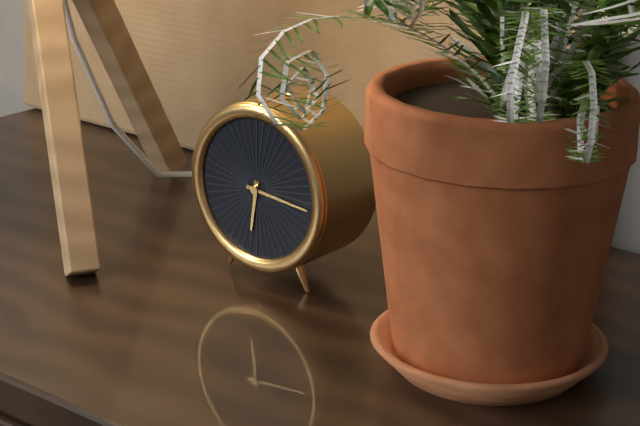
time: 6:16
